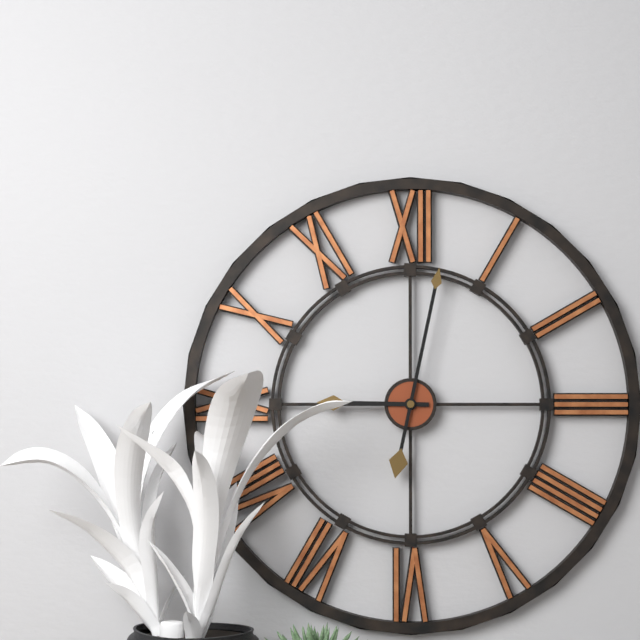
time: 9:02
